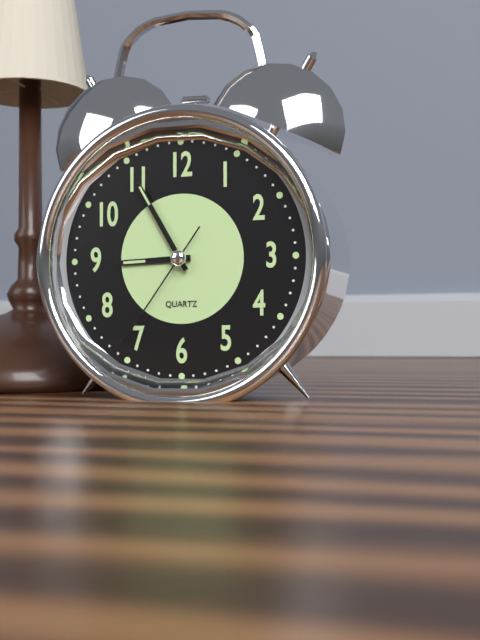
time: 8:55:36
